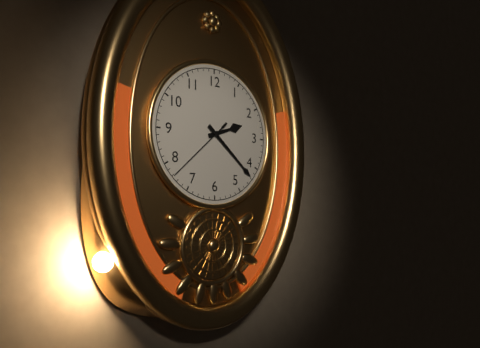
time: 2:22:38
